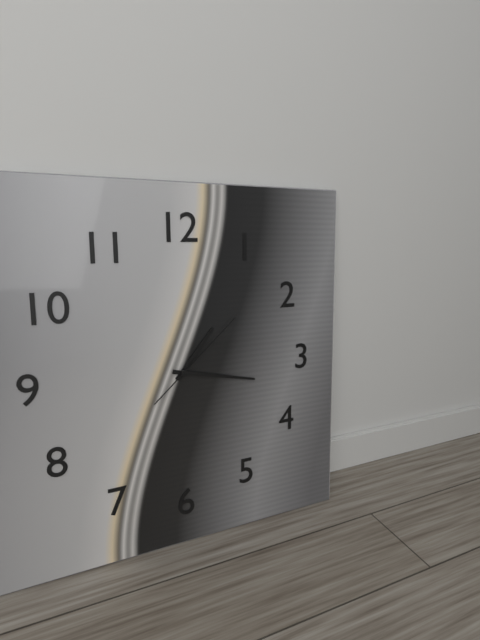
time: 1:17:08
